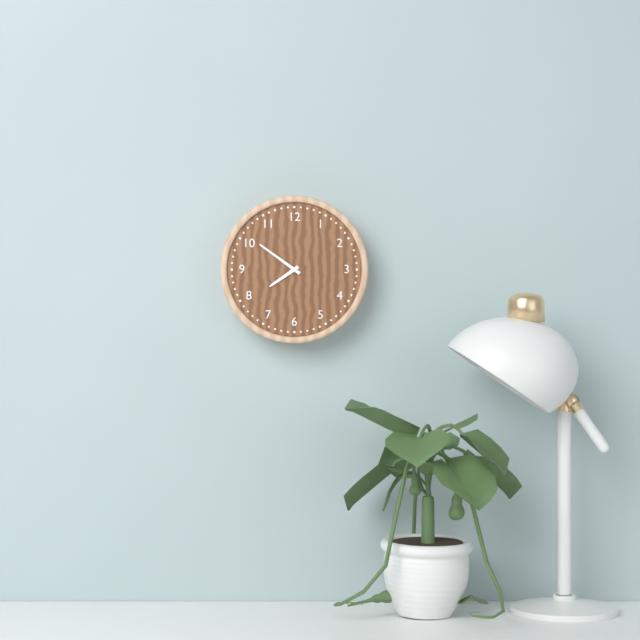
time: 7:51
